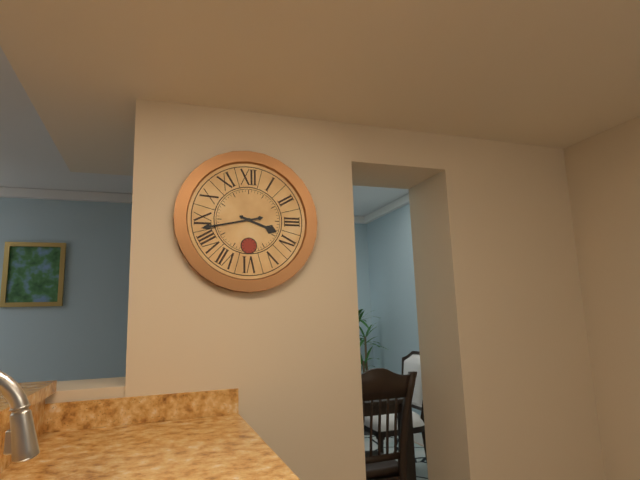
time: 3:43
